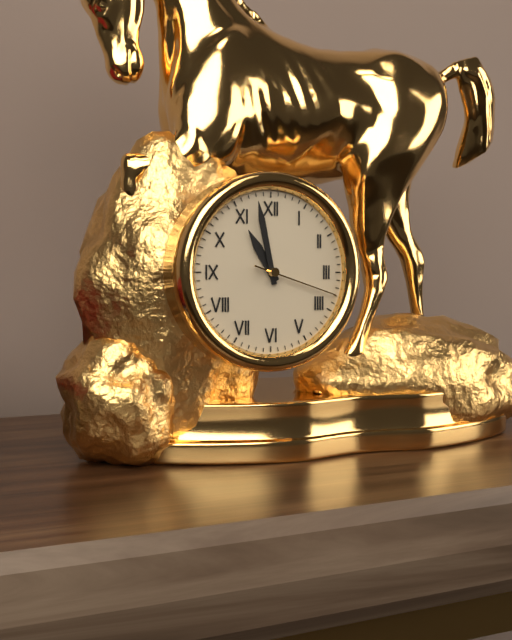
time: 10:58:18
